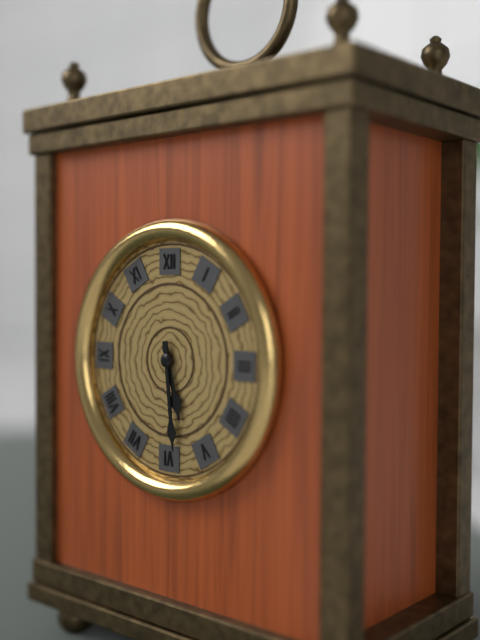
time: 5:29
